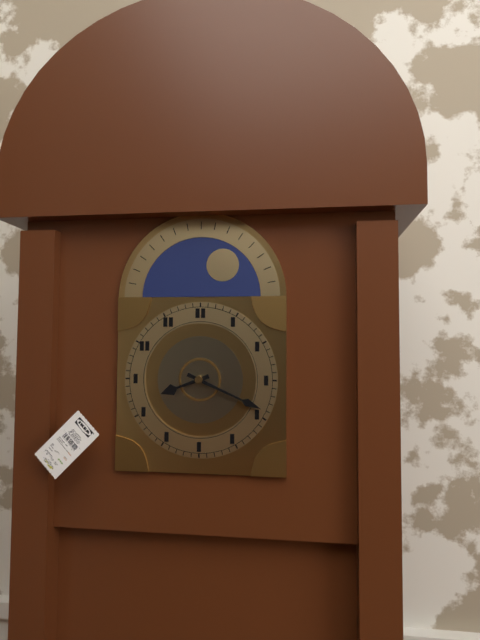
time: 8:19
